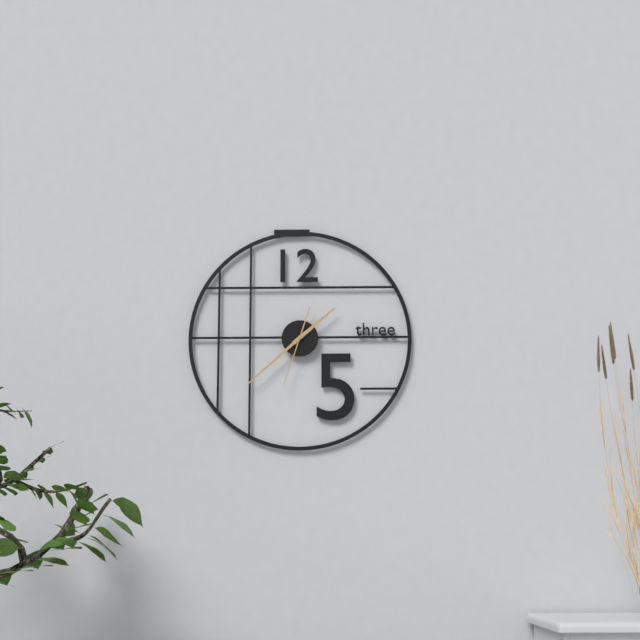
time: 1:38:33
